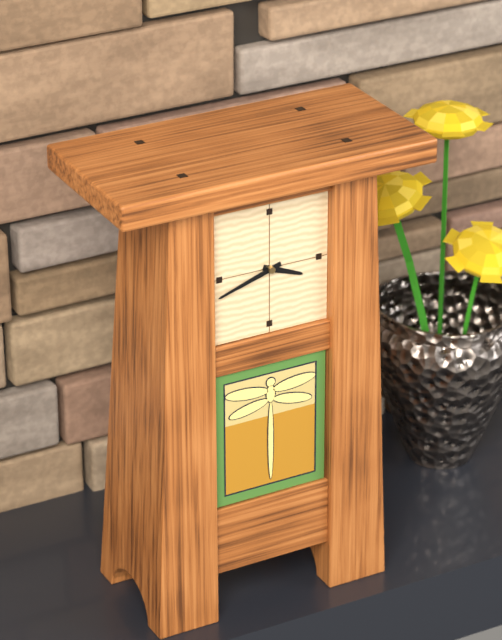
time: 3:42
